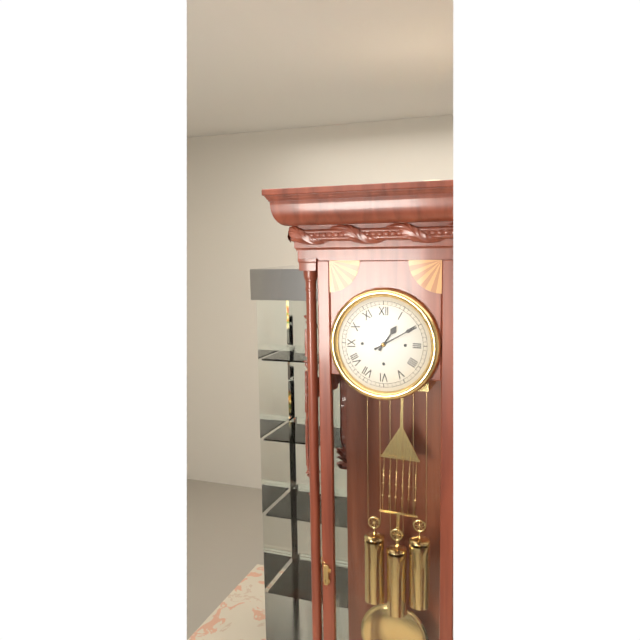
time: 1:10
